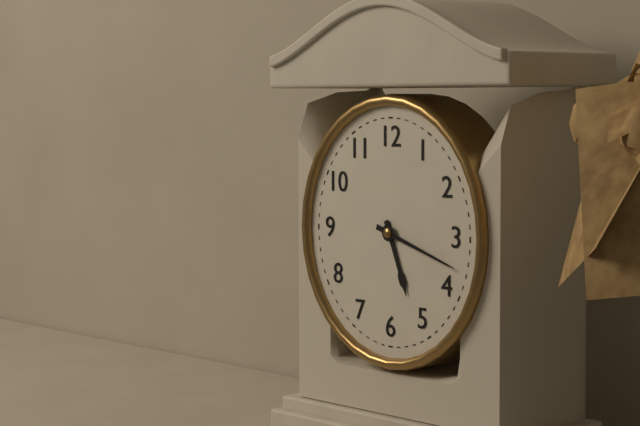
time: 5:18
